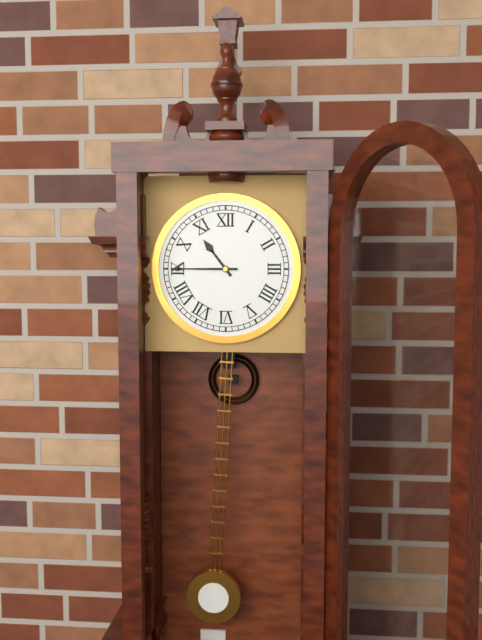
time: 10:45
